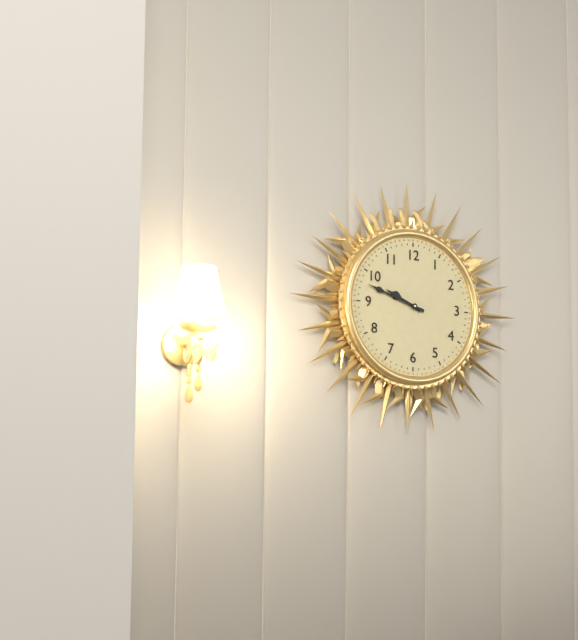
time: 9:48
